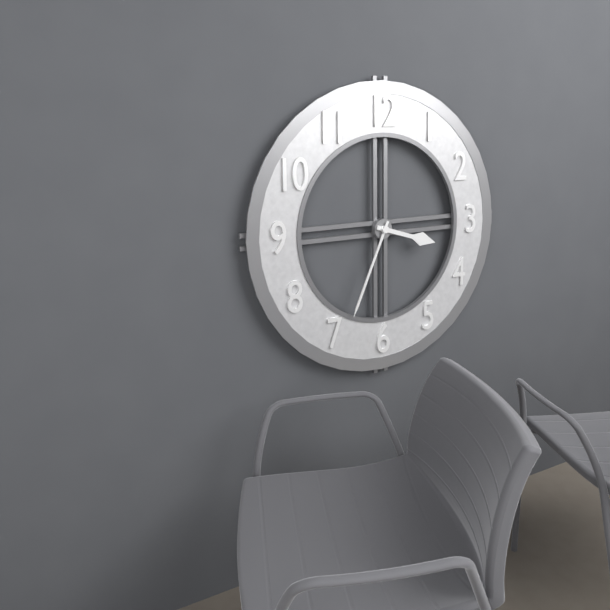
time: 3:34
